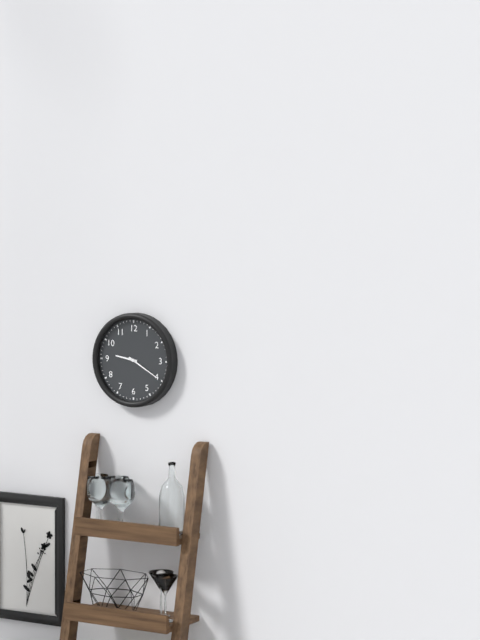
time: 9:20
